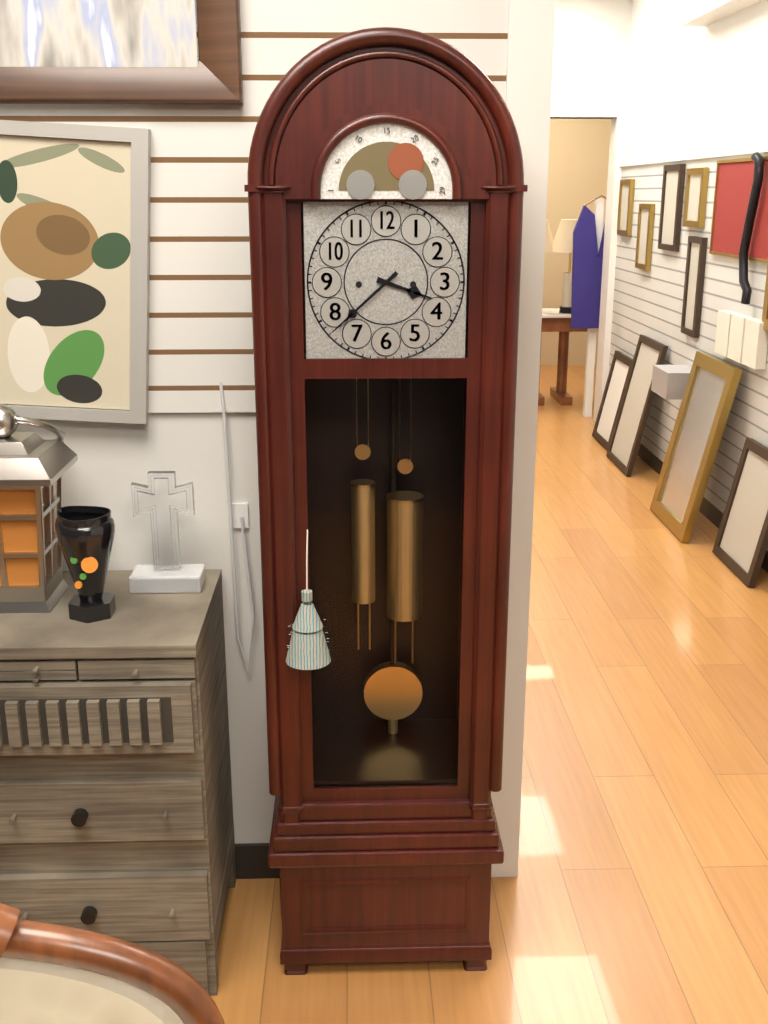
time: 3:38
